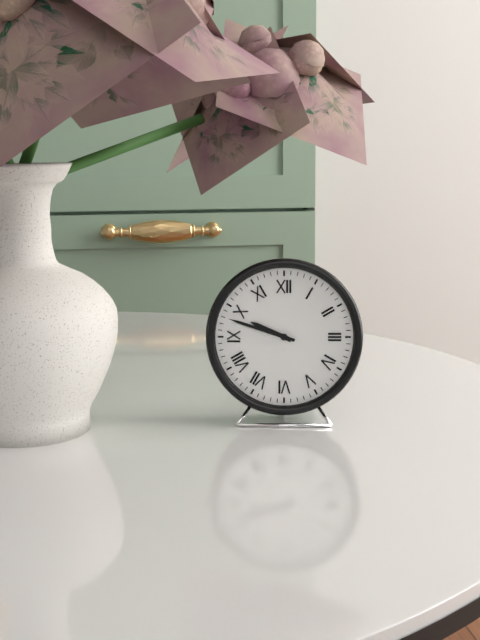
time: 9:48
